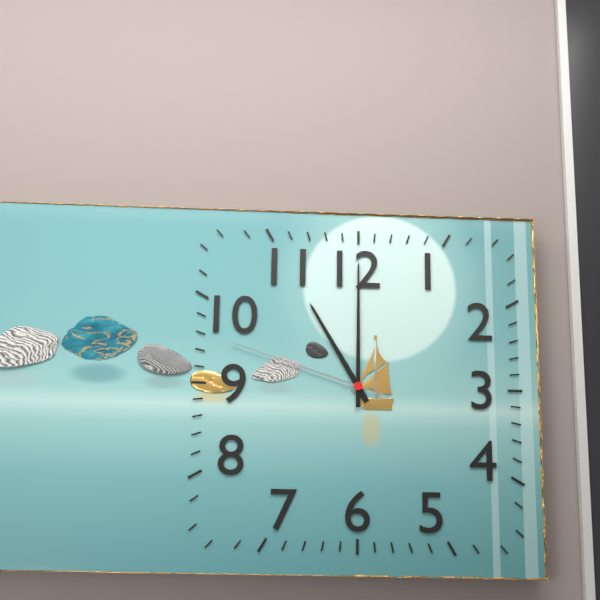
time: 11:00:48
